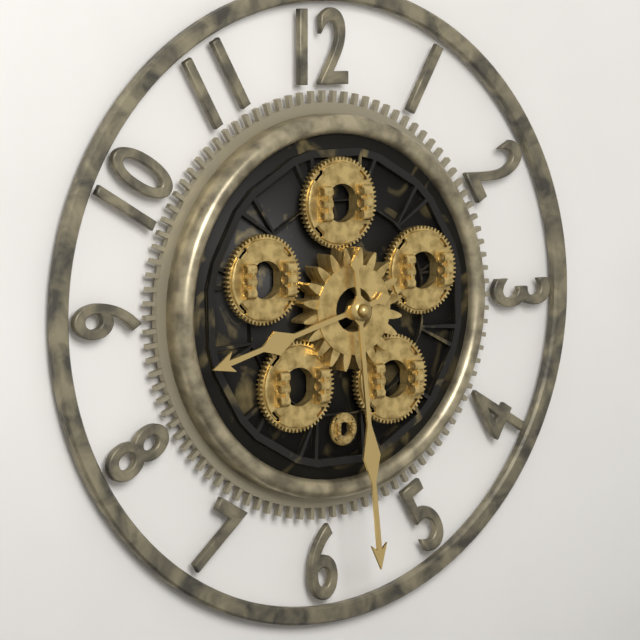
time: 8:29
